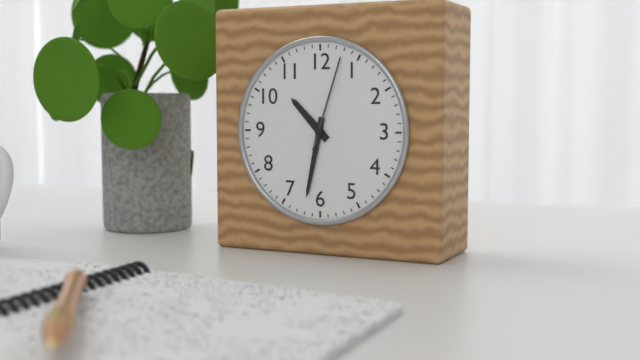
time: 10:32:03
